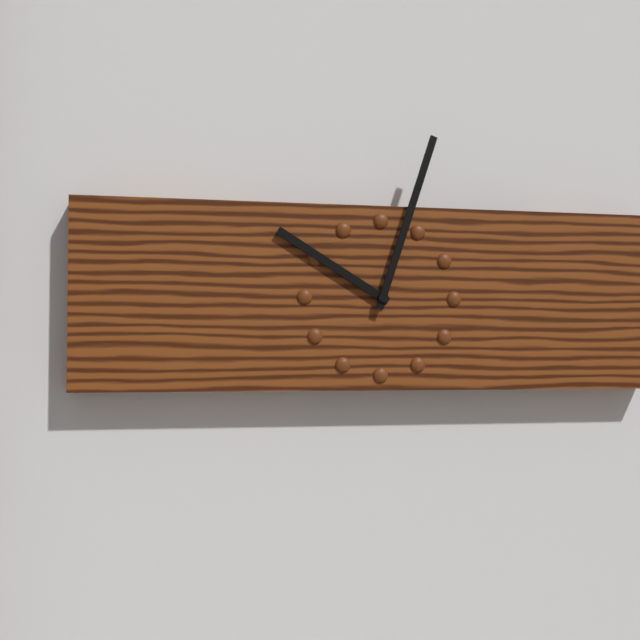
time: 10:03
